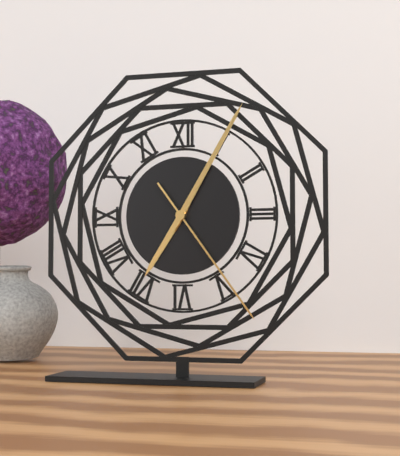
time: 7:05:24
